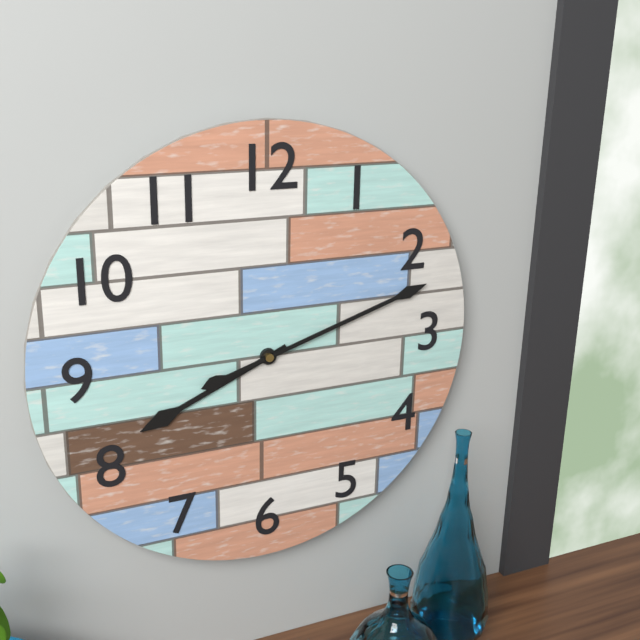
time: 8:12
